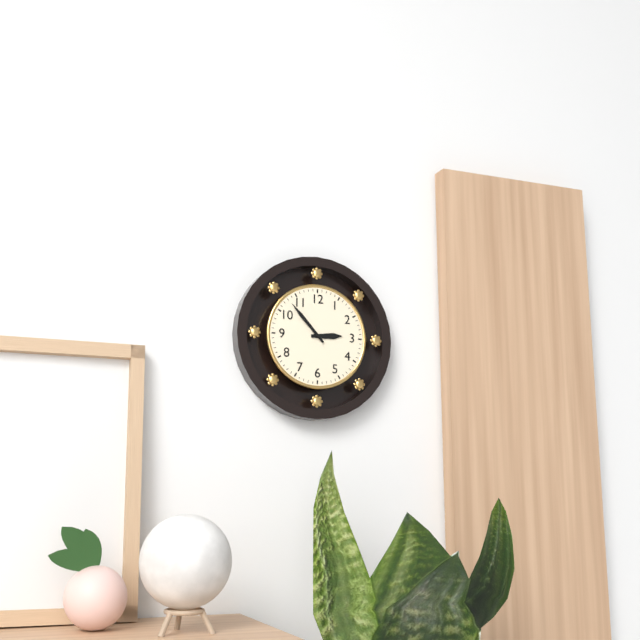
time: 2:53
